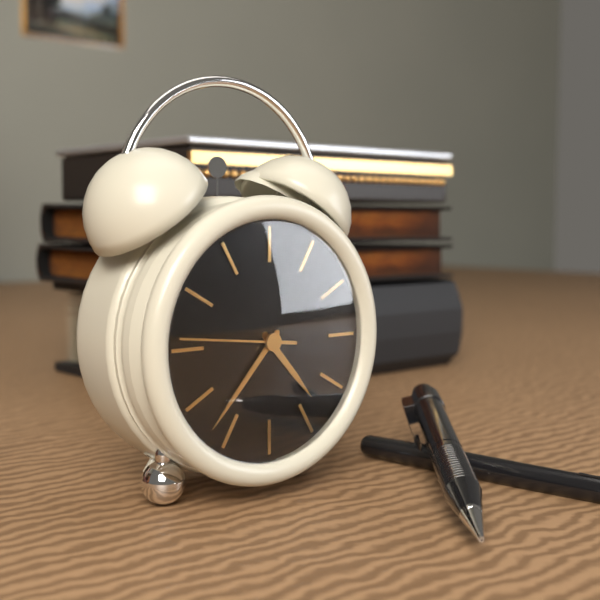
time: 4:37:46
